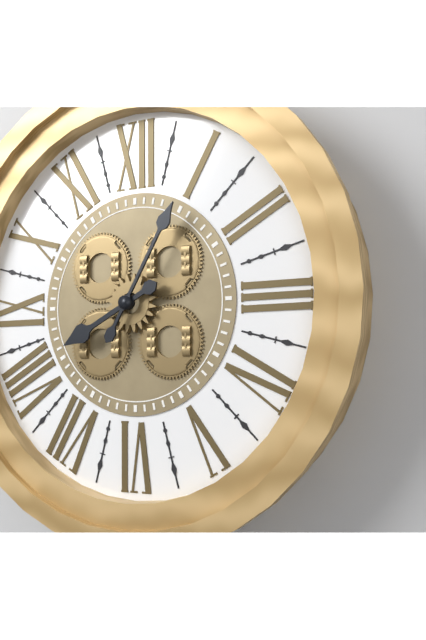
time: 8:05
